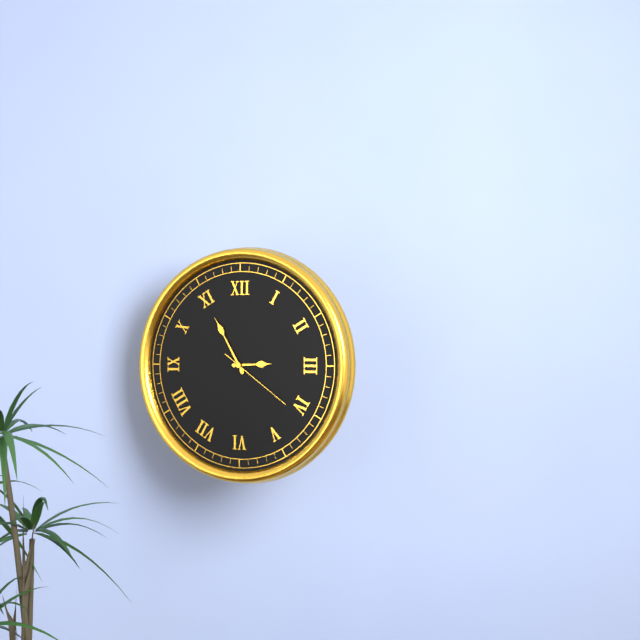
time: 2:55:21
